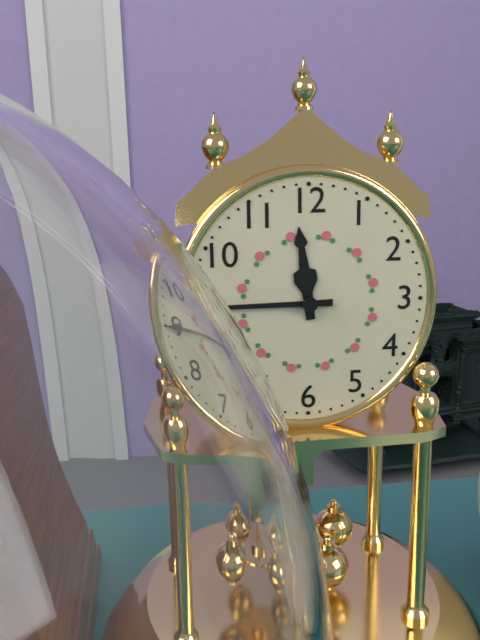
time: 11:45
